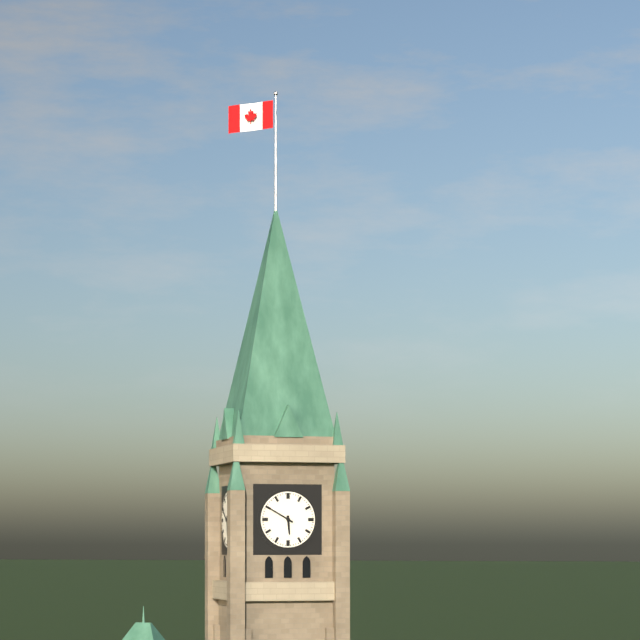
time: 5:50
